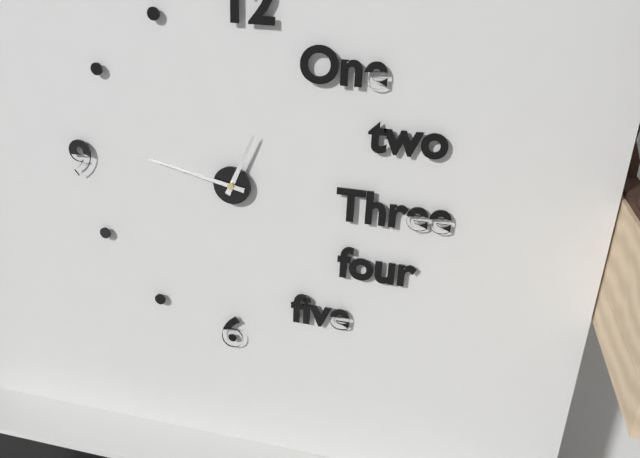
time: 12:47
